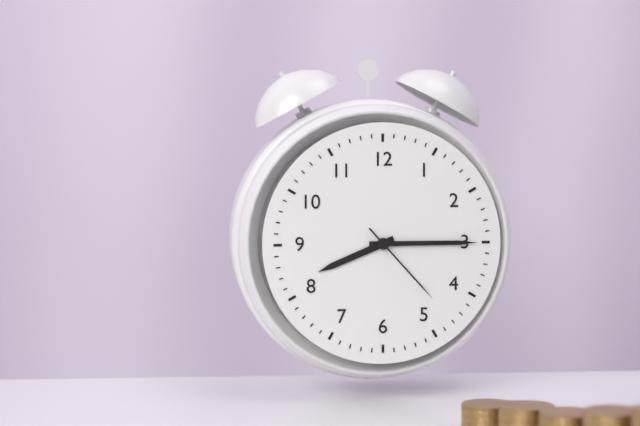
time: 8:15:23
